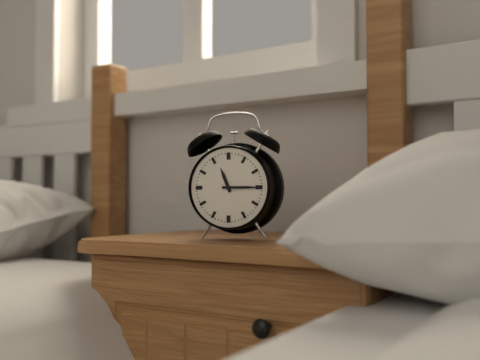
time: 11:15
